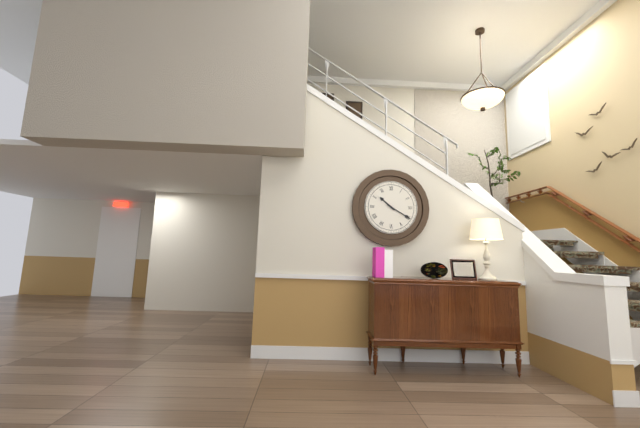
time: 10:20
